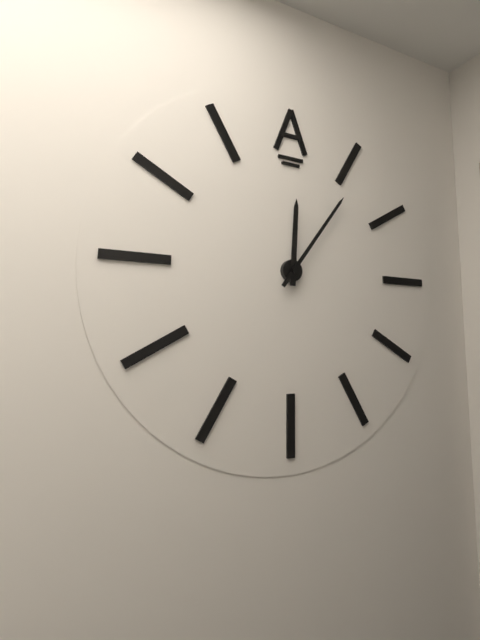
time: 12:06
